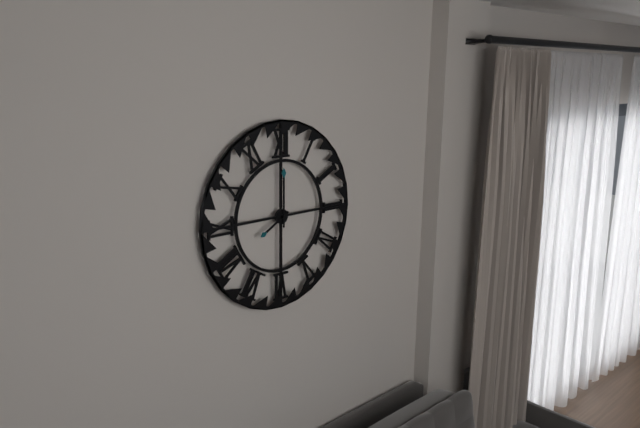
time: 8:00
